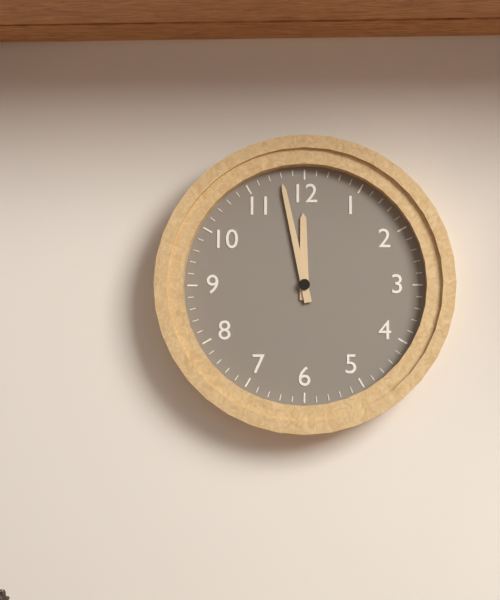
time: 11:58
